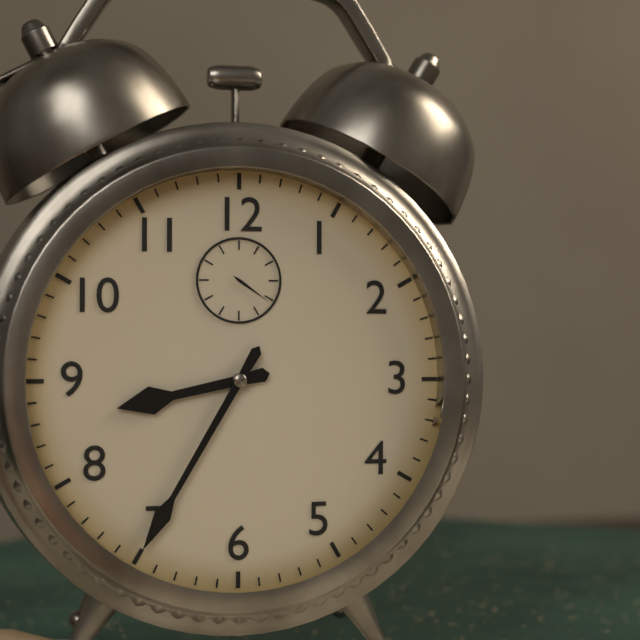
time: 8:35
